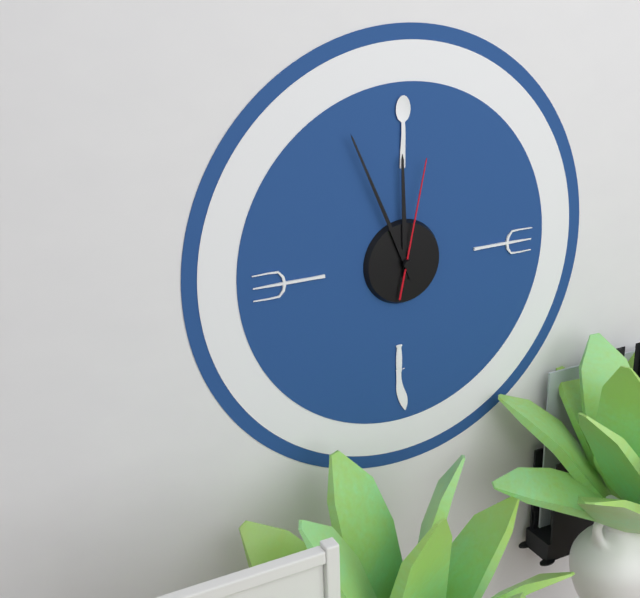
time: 11:56:02
